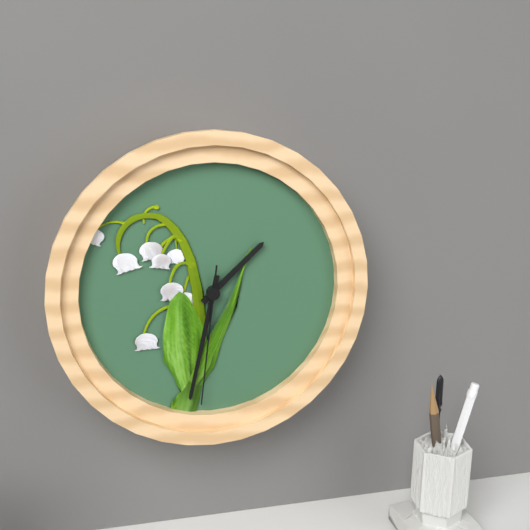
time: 1:32:31
